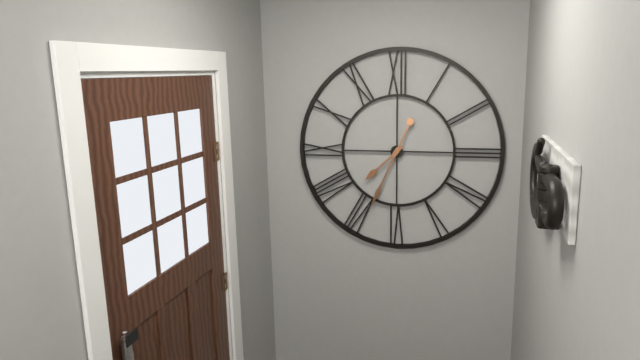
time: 7:34
